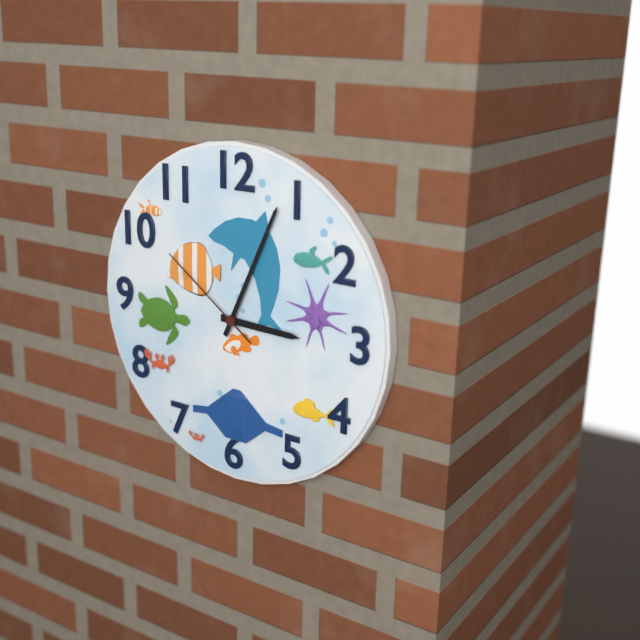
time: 3:04:51
